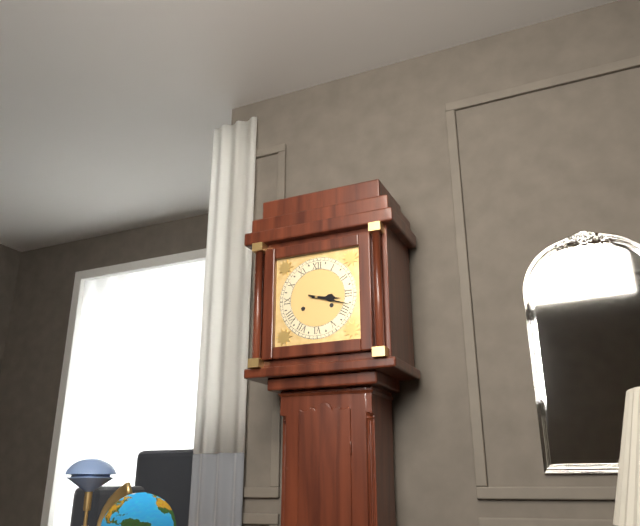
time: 3:18
